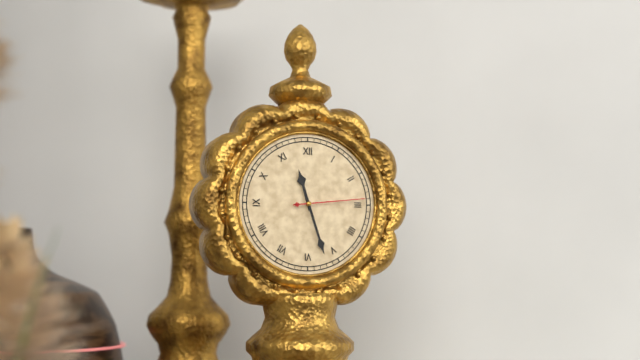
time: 11:27:14
